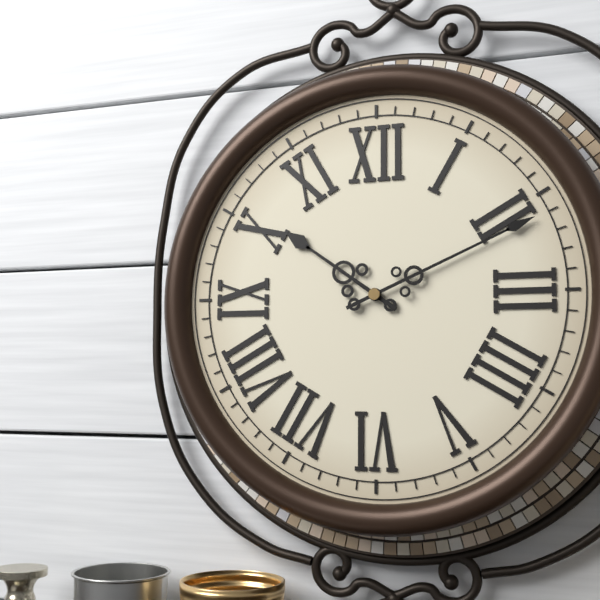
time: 10:11
